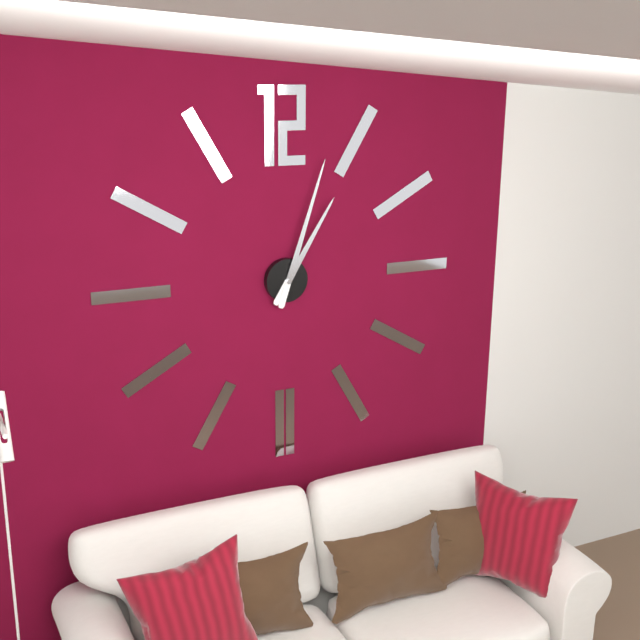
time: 1:03
